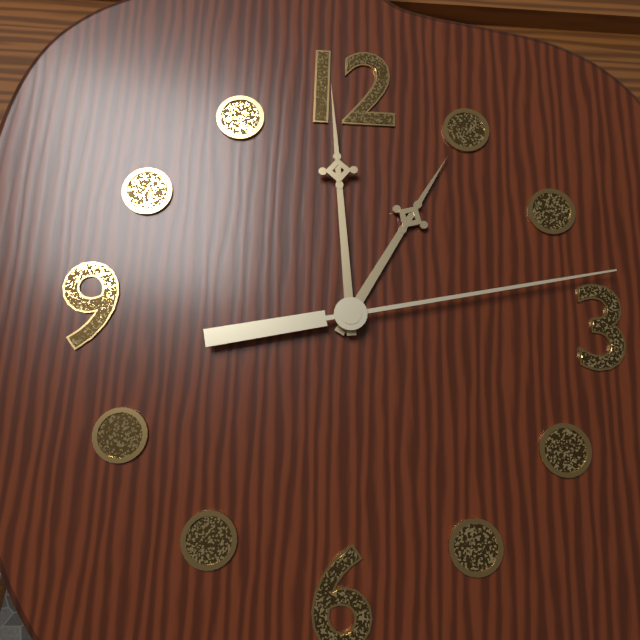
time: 12:59:13
